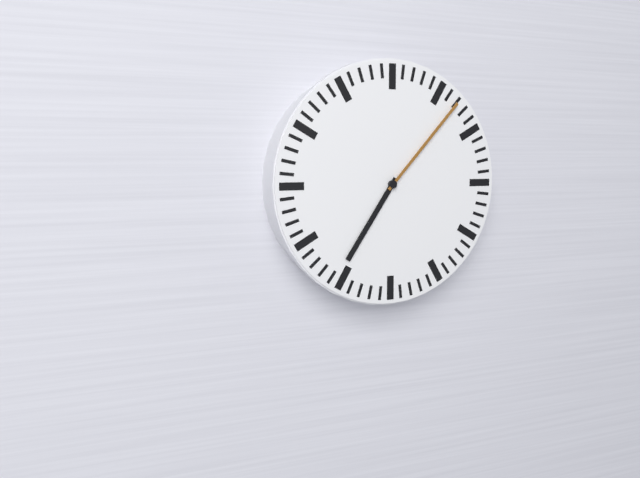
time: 7:07
